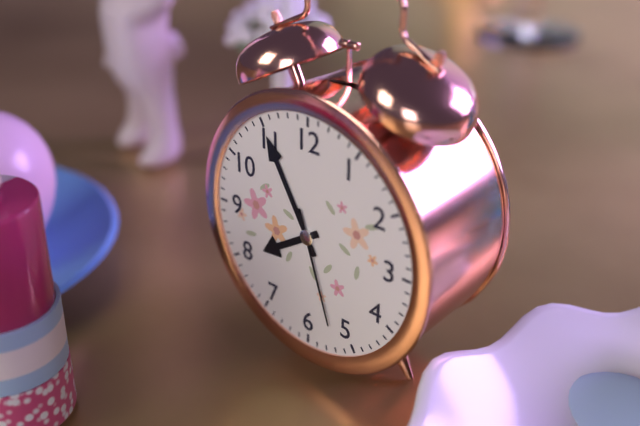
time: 7:55:27
